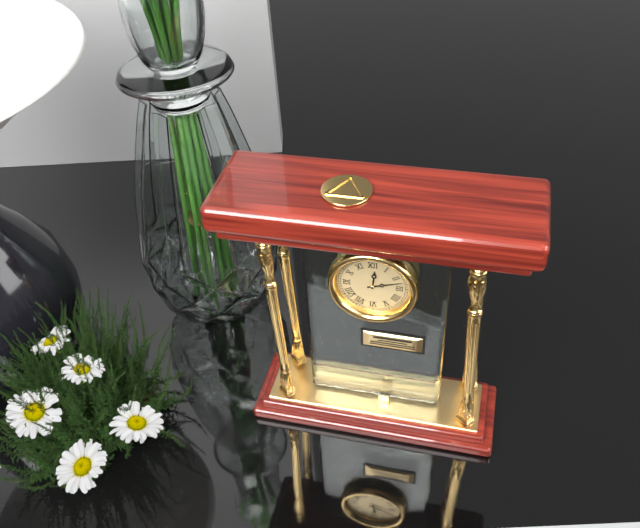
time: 12:12
